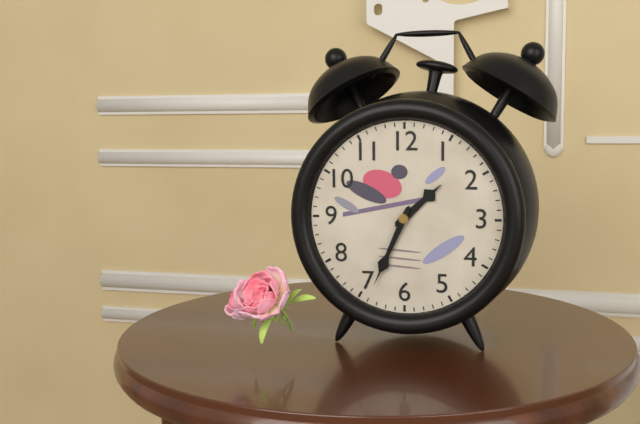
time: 1:34
